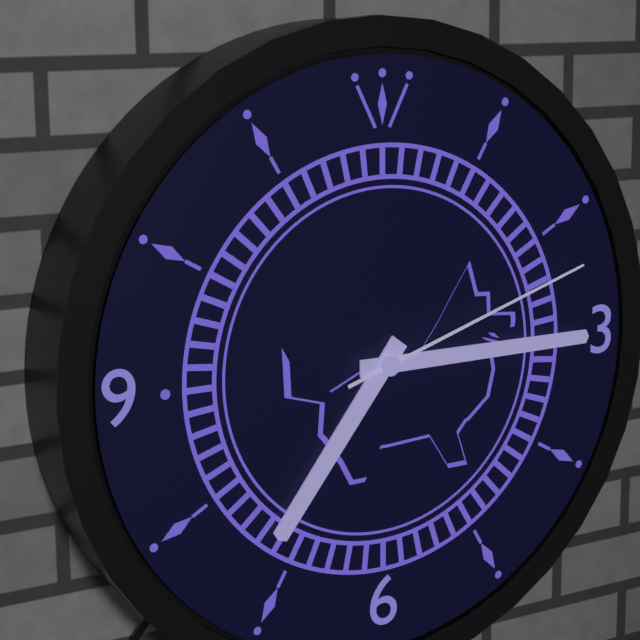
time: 7:15:12
